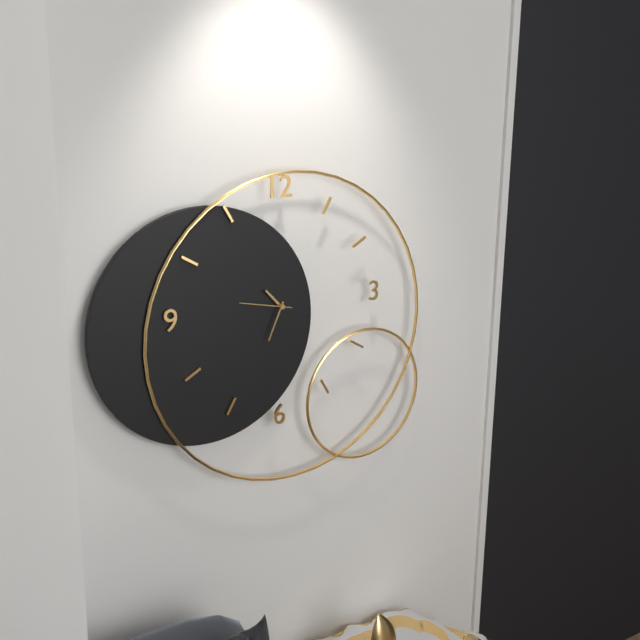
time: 10:34:47
